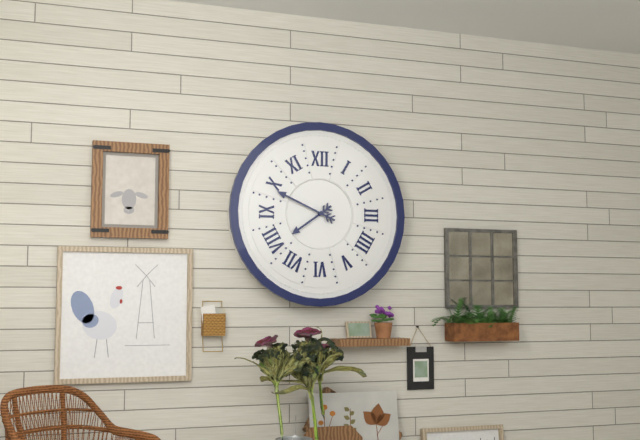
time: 7:49
